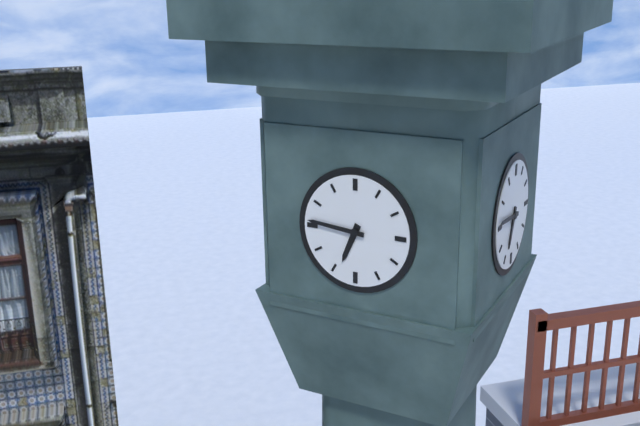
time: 6:46
